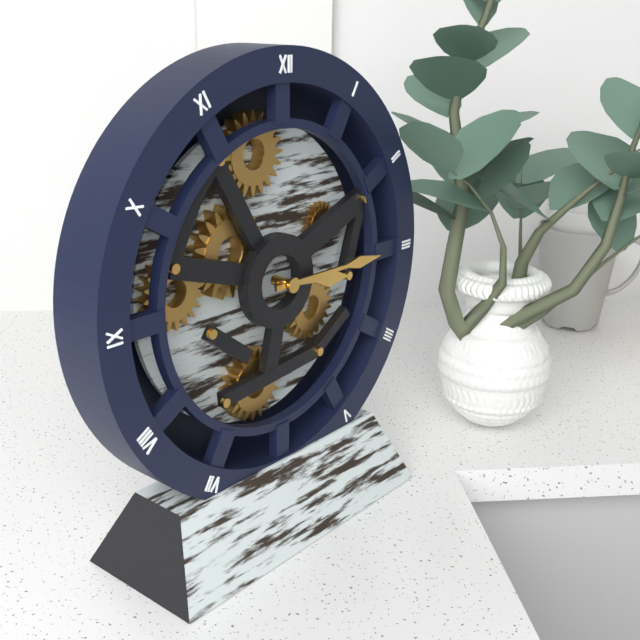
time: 3:15
